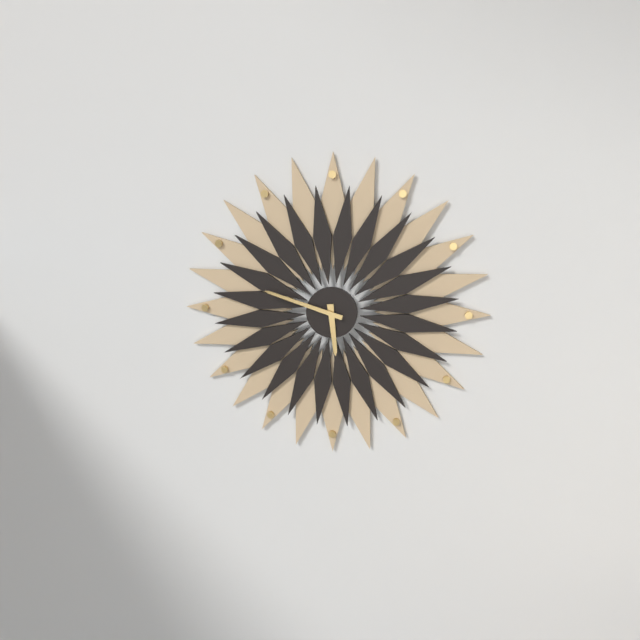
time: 5:48
